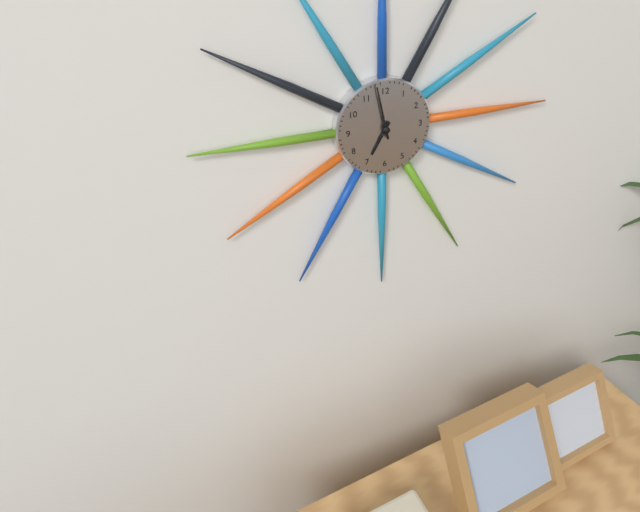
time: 6:58
